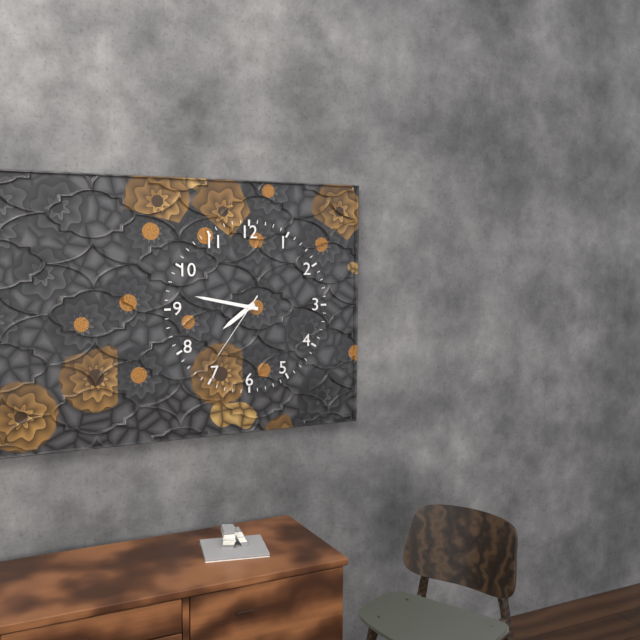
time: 7:47:36
